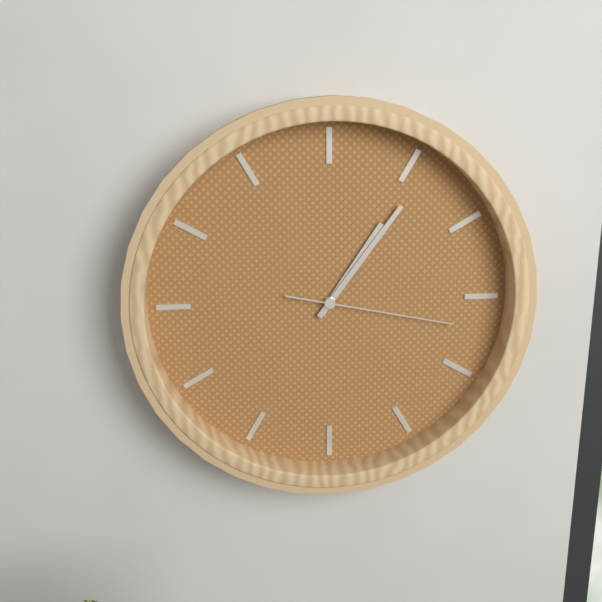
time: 1:06:17
